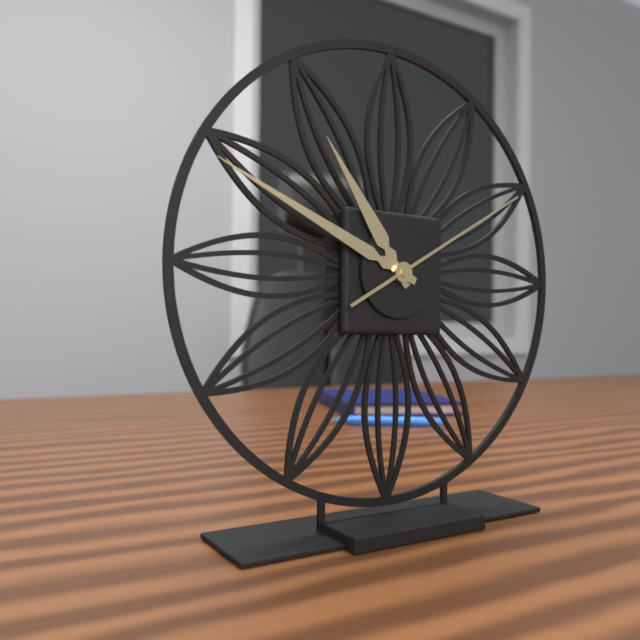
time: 10:49:10
